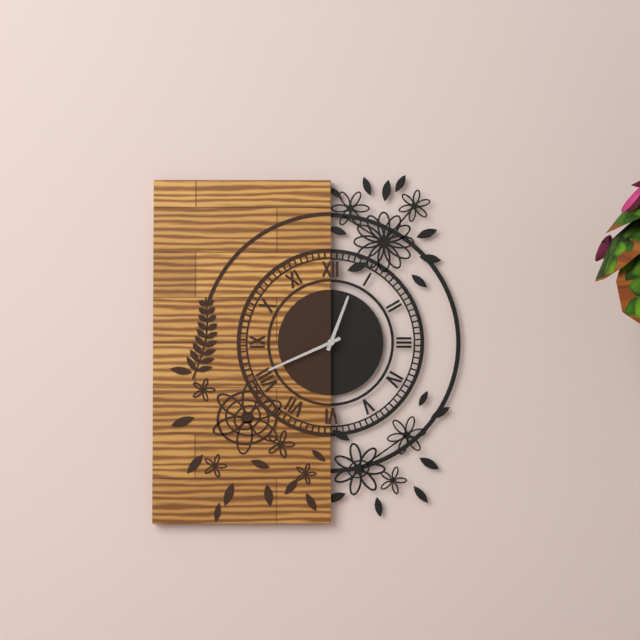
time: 12:41
